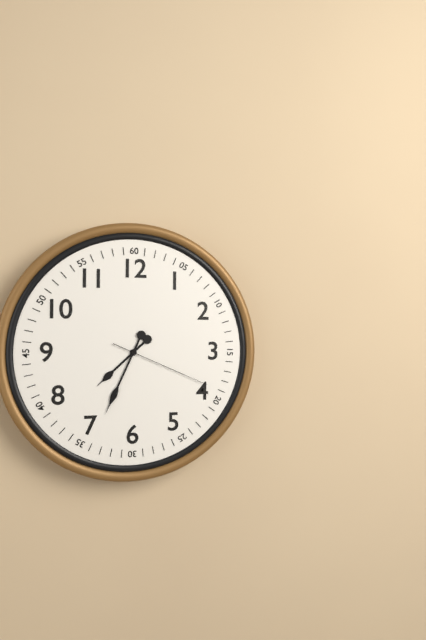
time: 7:34:19
